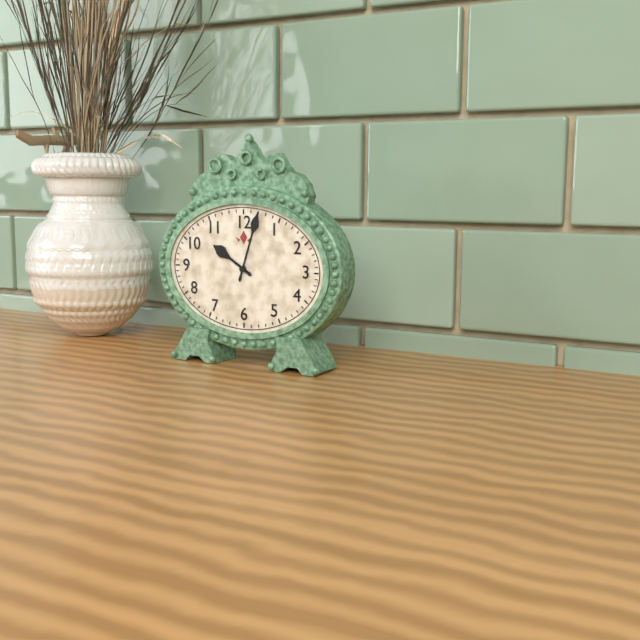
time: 10:03
